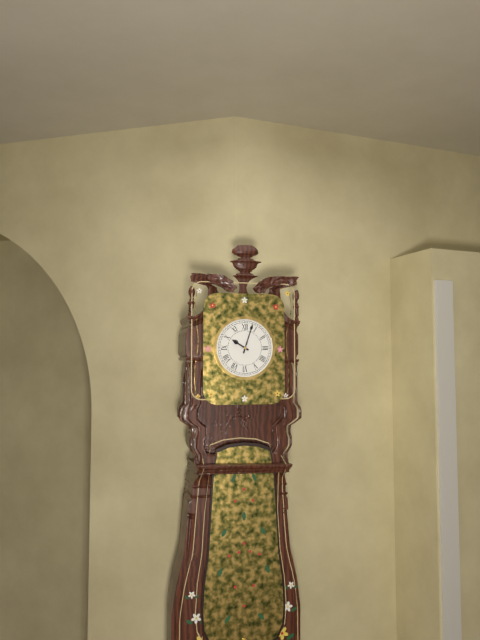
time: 10:03
